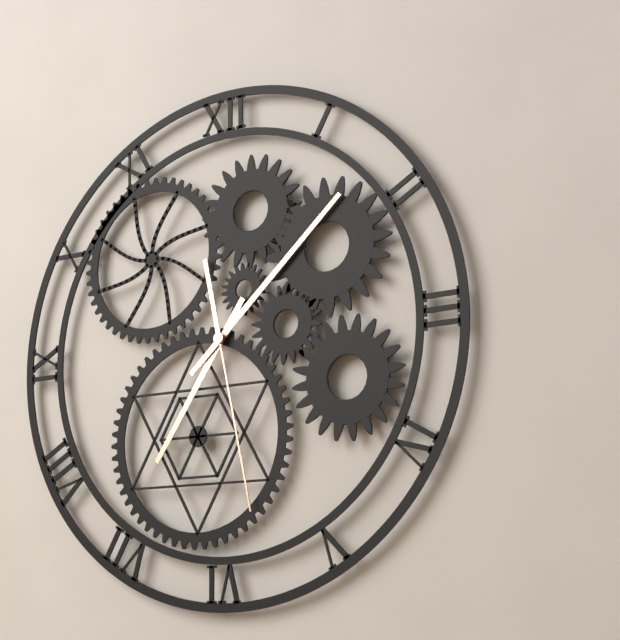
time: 7:08:28
